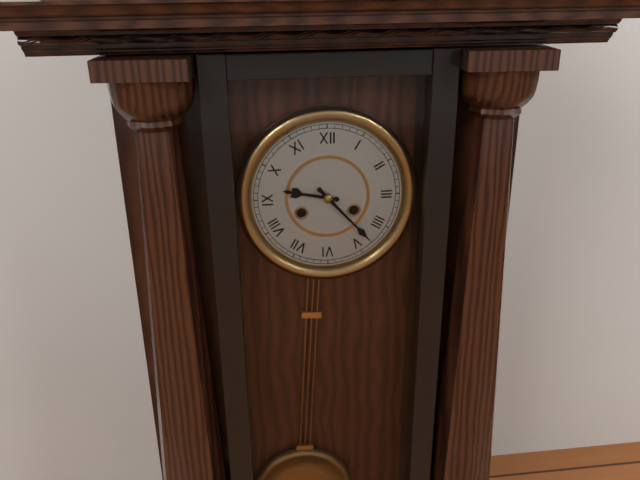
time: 9:23
